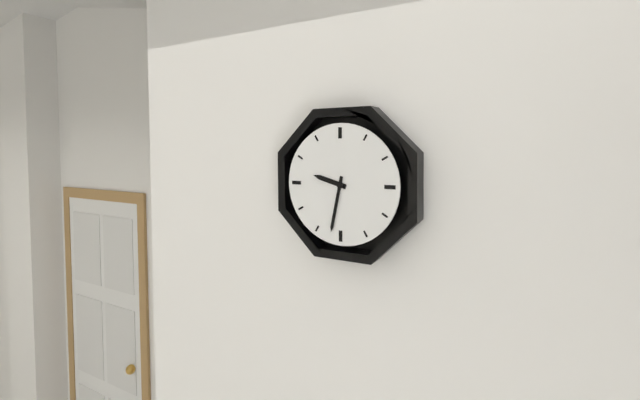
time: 9:32
